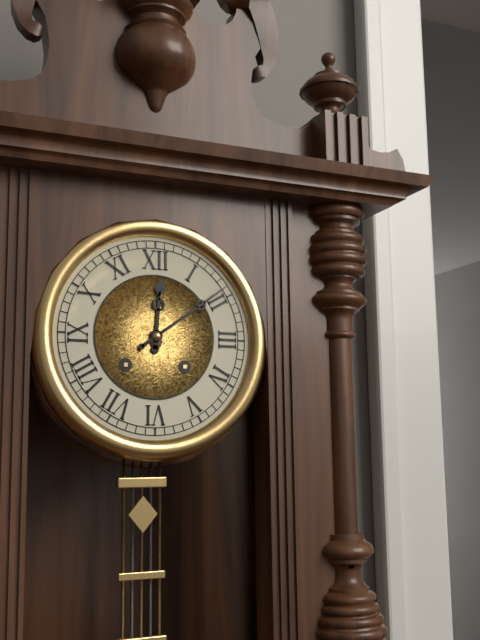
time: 12:09
